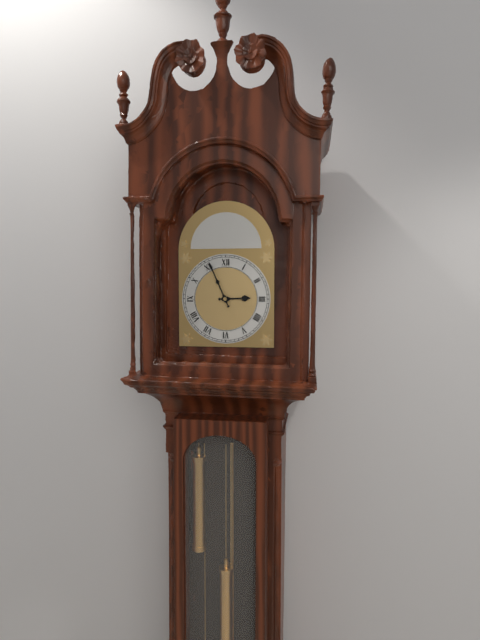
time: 2:56
